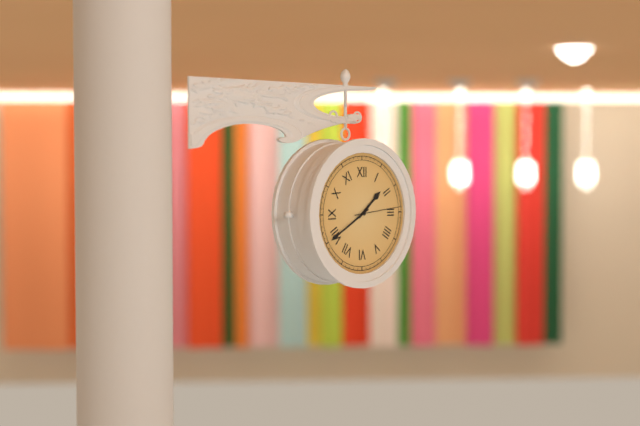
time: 1:40
